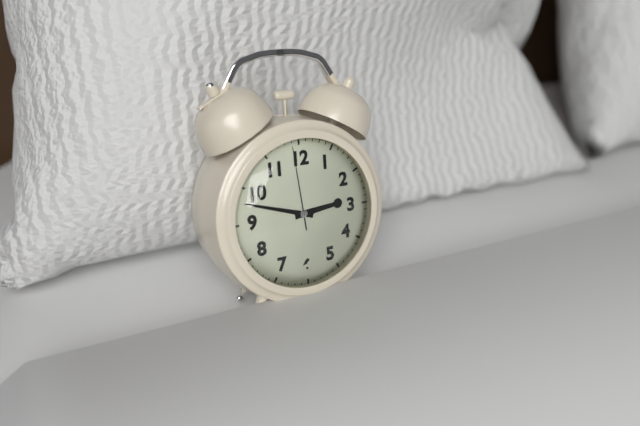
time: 2:48:59
